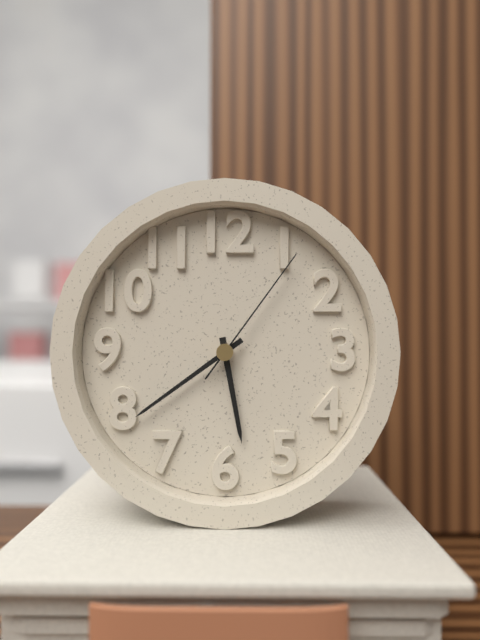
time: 5:39:06
